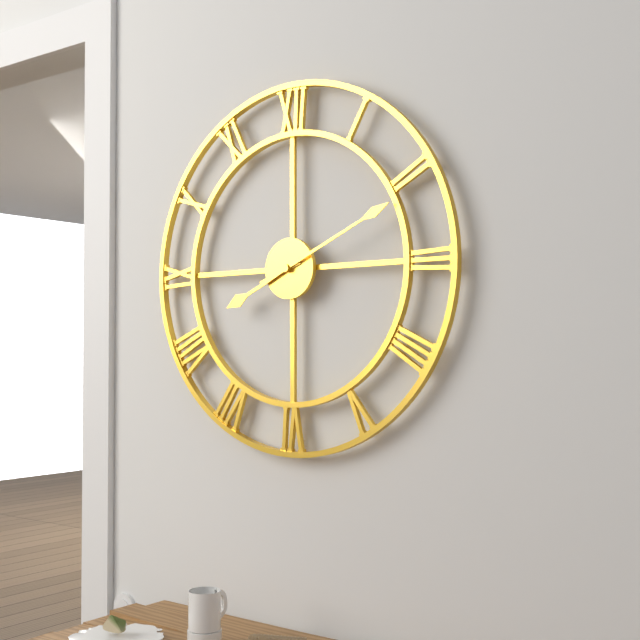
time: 8:11
